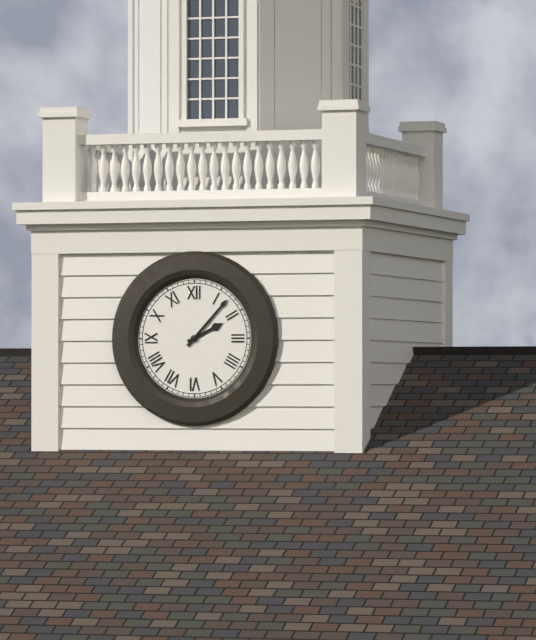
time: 2:07
